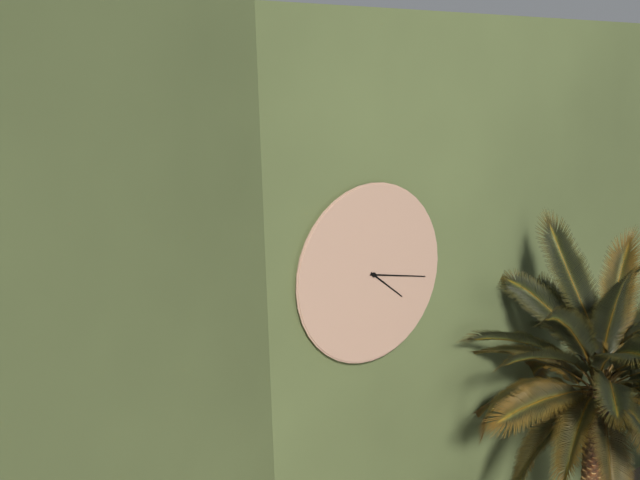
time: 4:17
